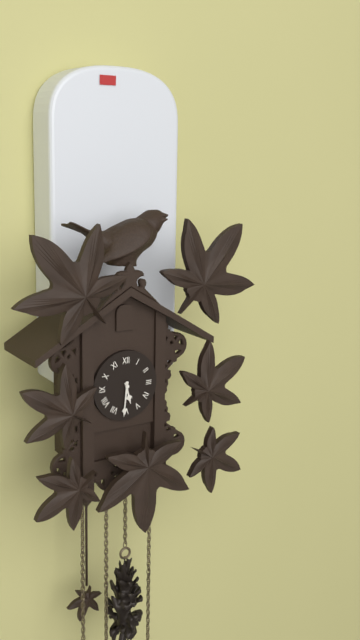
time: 5:31
